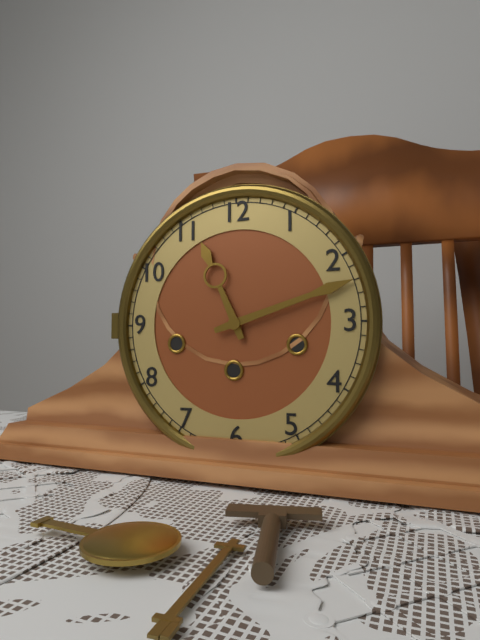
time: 11:12
